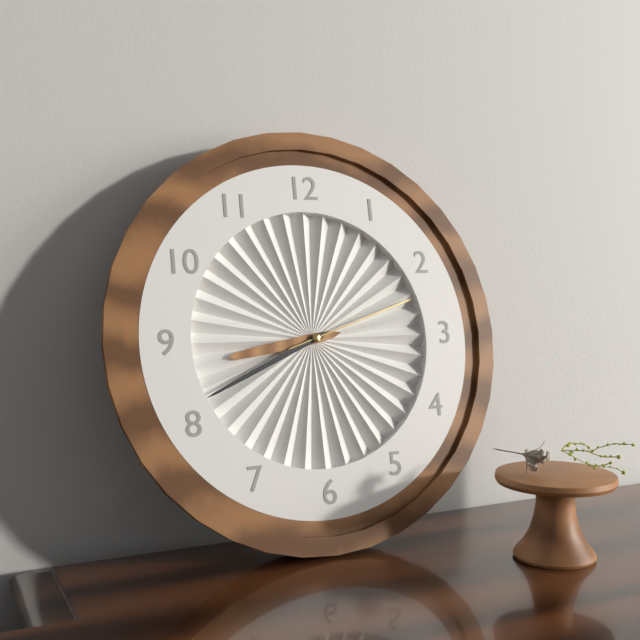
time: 8:41:12
